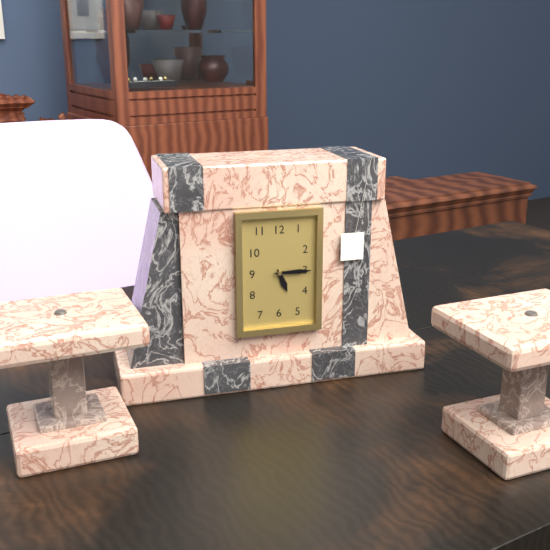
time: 5:15
